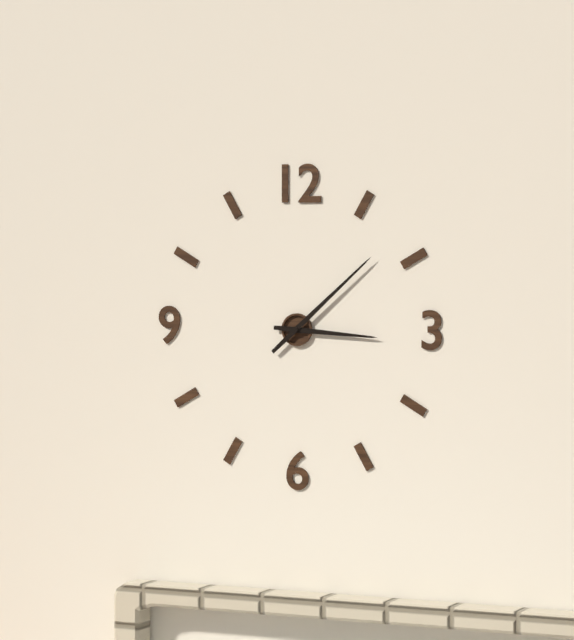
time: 3:08
